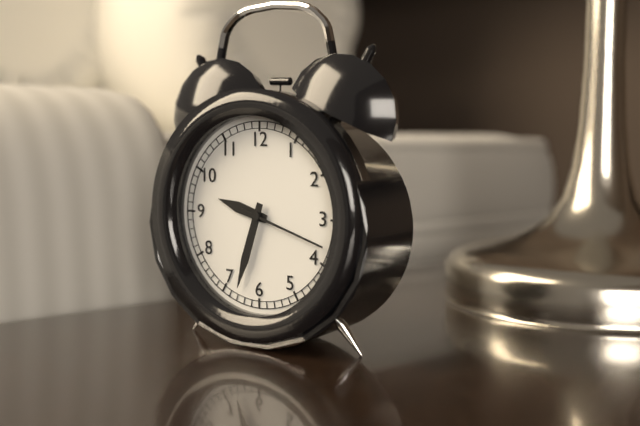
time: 9:33:18
